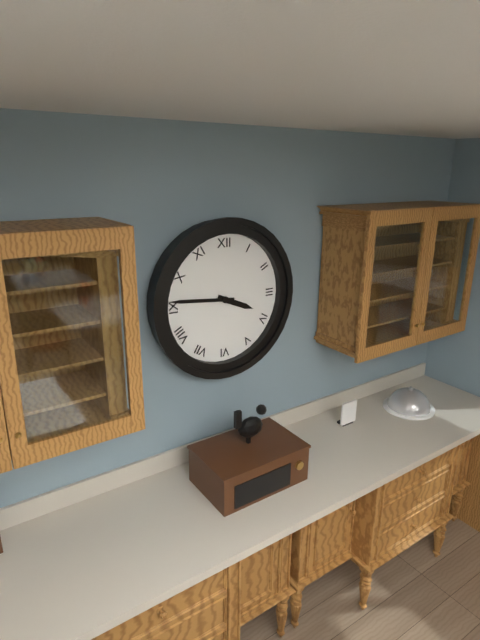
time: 3:46
